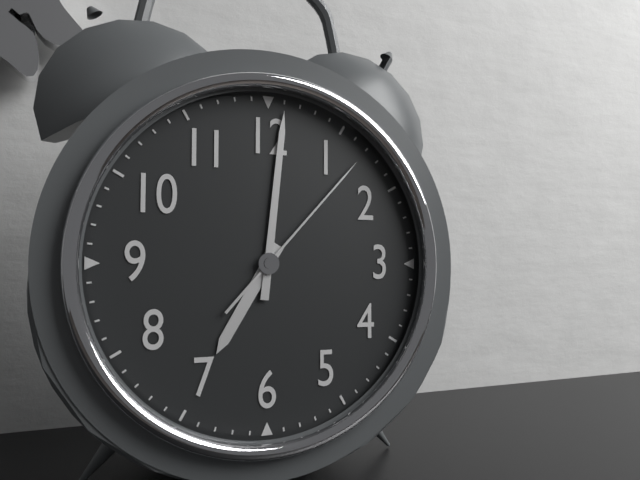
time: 7:01:07
